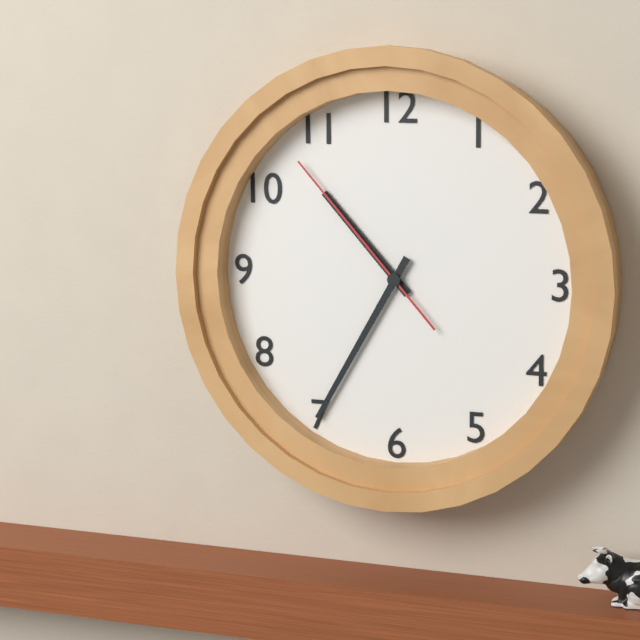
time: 10:35:53
